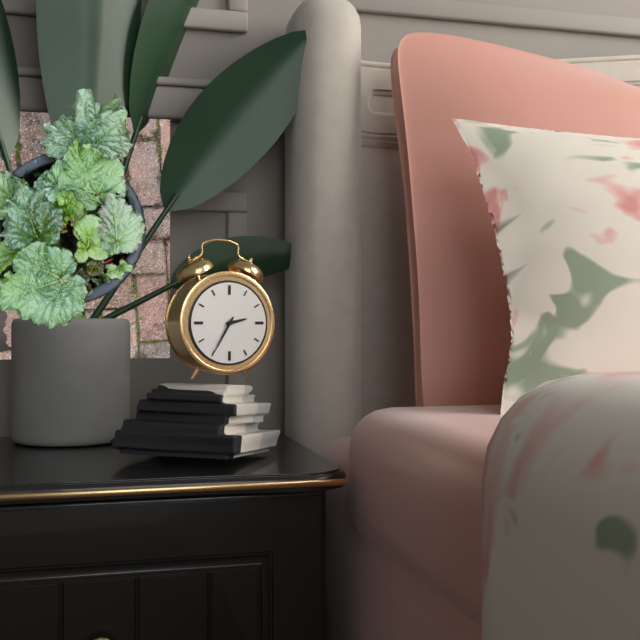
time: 2:35
